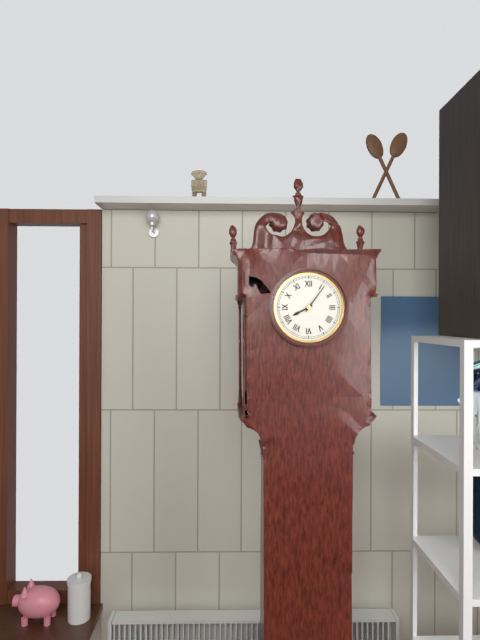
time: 8:06
